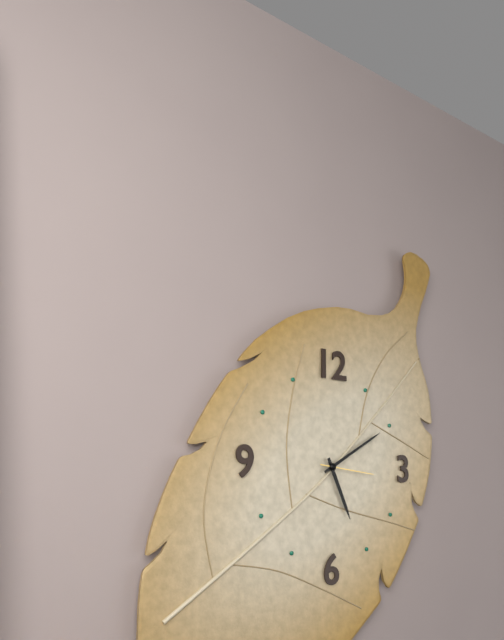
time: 5:10:16
